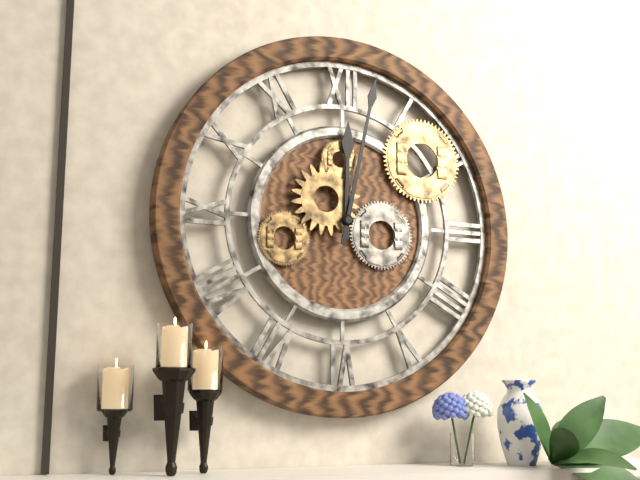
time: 12:02
